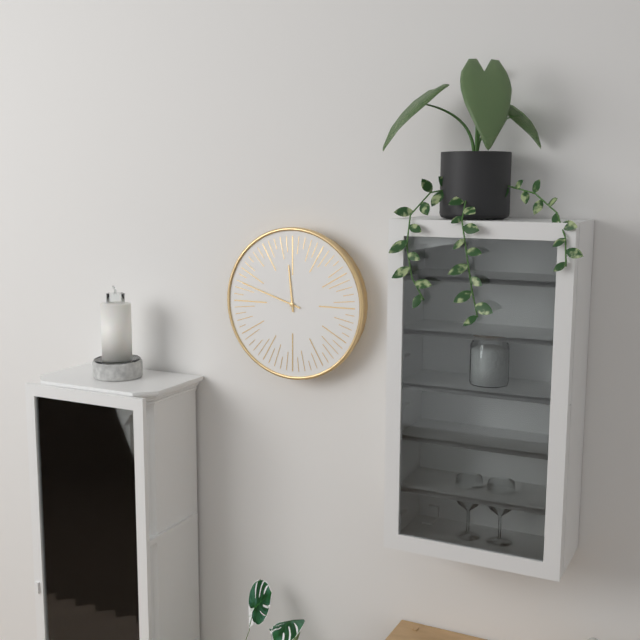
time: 11:48
